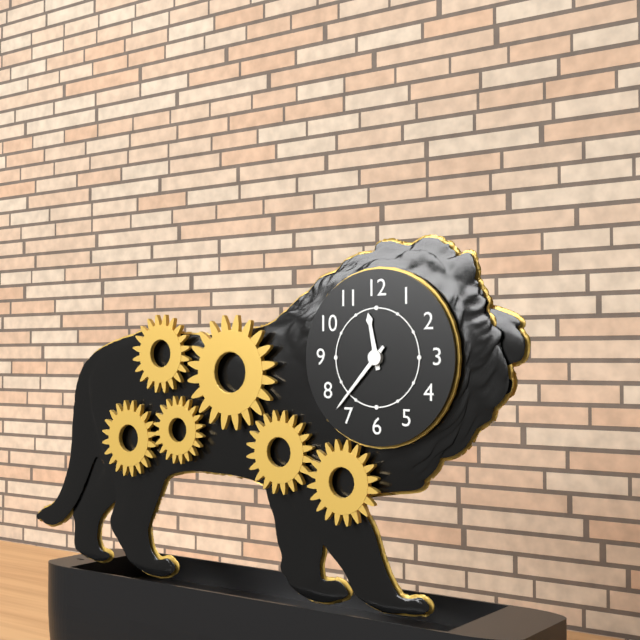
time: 11:37
